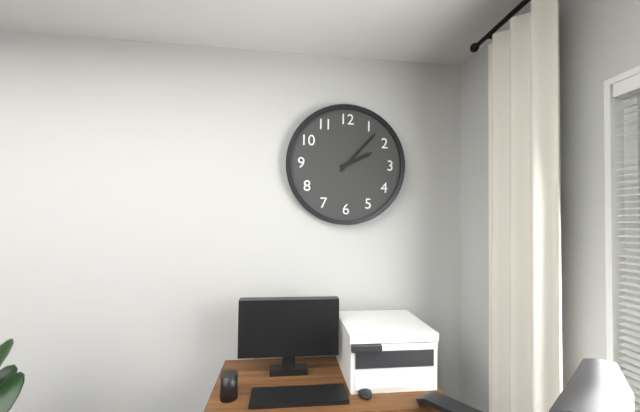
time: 2:07
